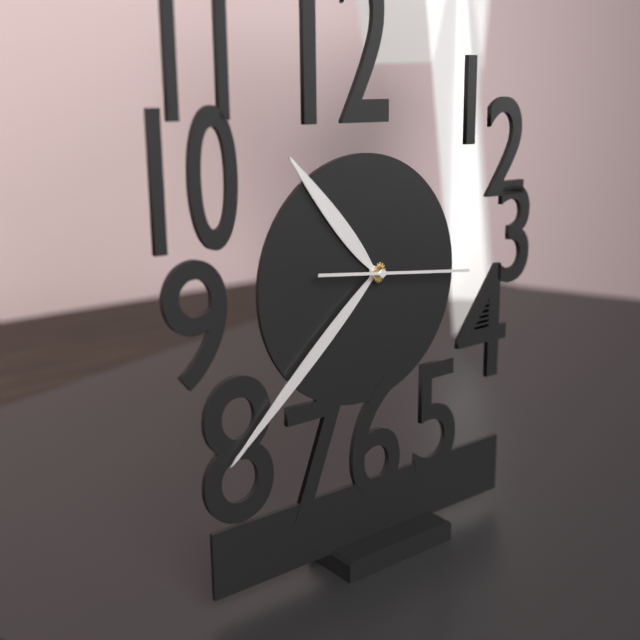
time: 10:38:16
